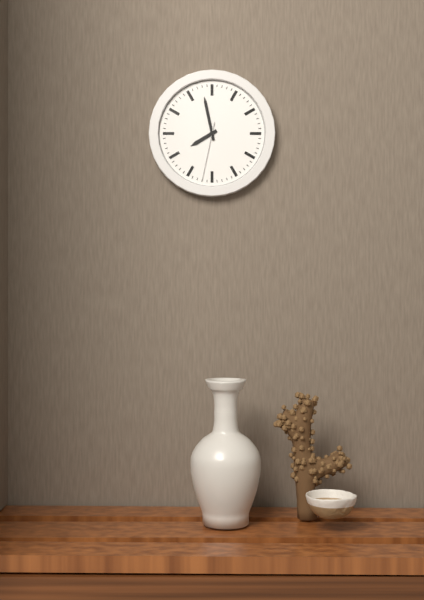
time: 7:58:32
